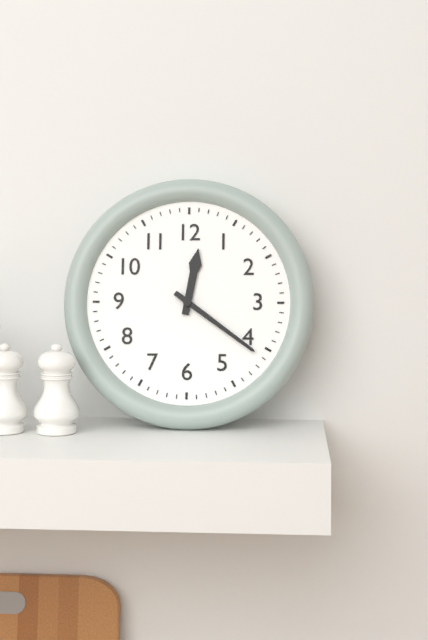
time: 12:21
